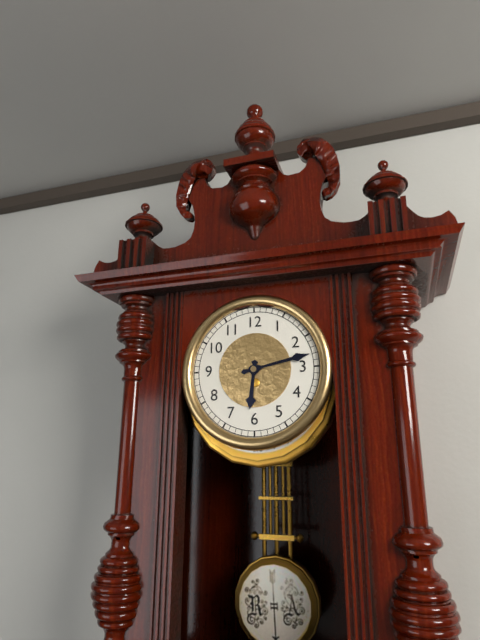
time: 6:13
